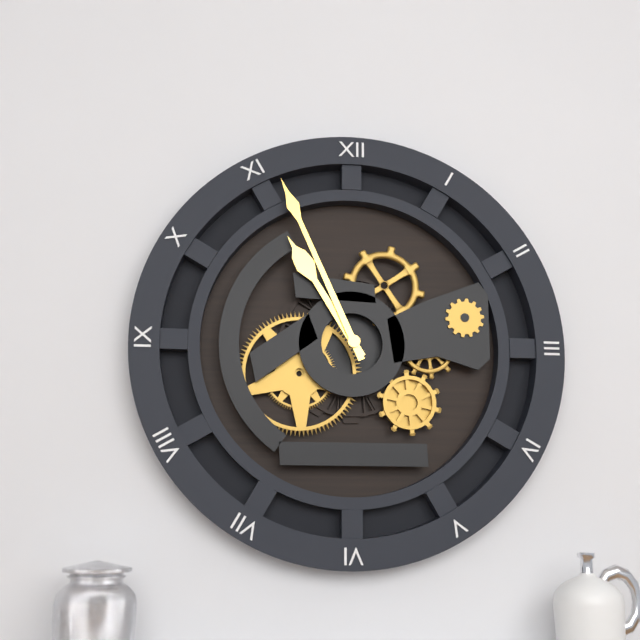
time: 10:56
